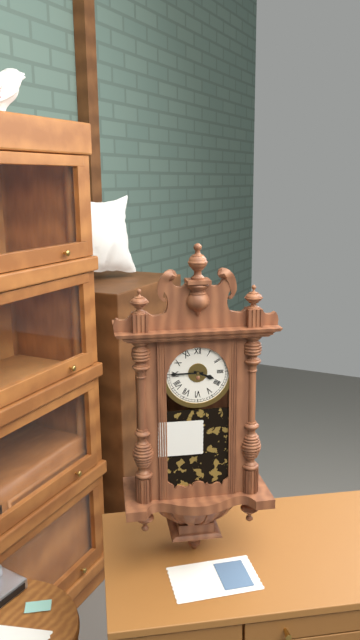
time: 3:45
